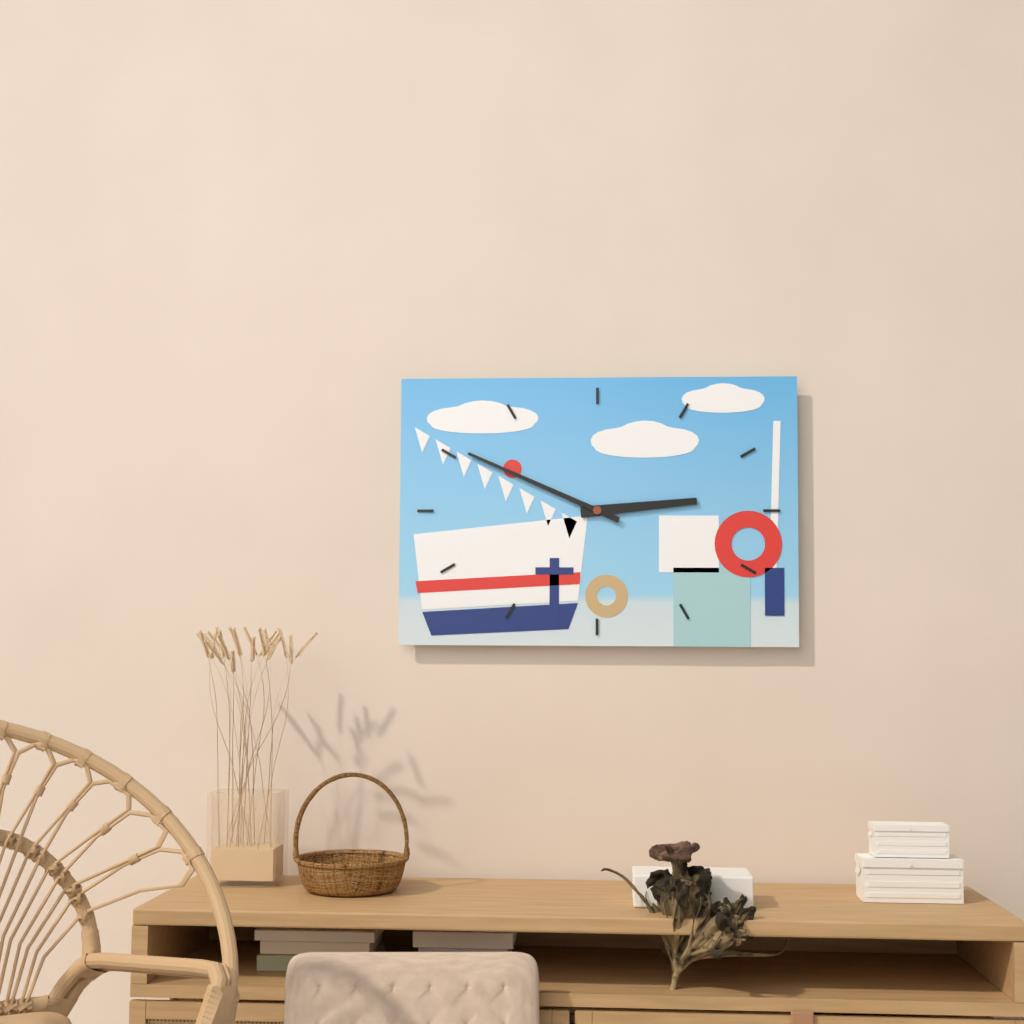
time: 2:49
